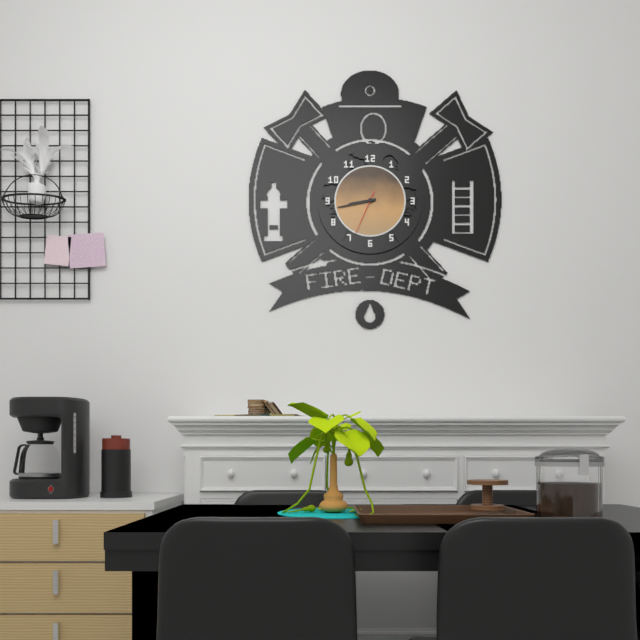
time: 8:43
